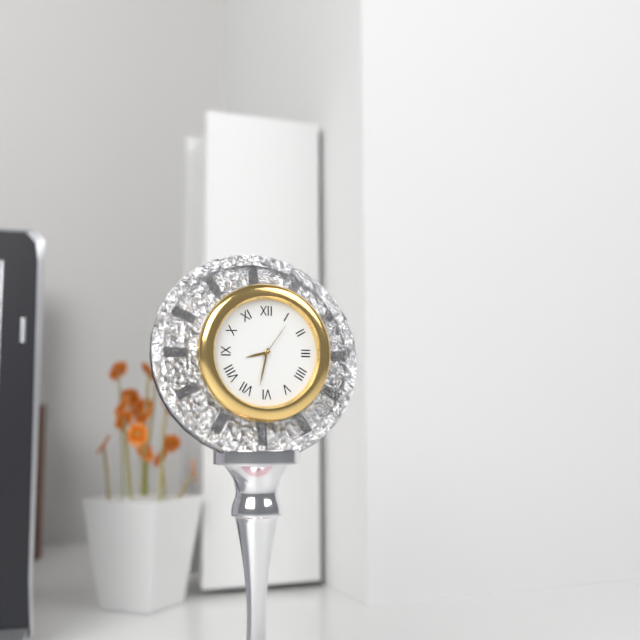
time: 8:32
